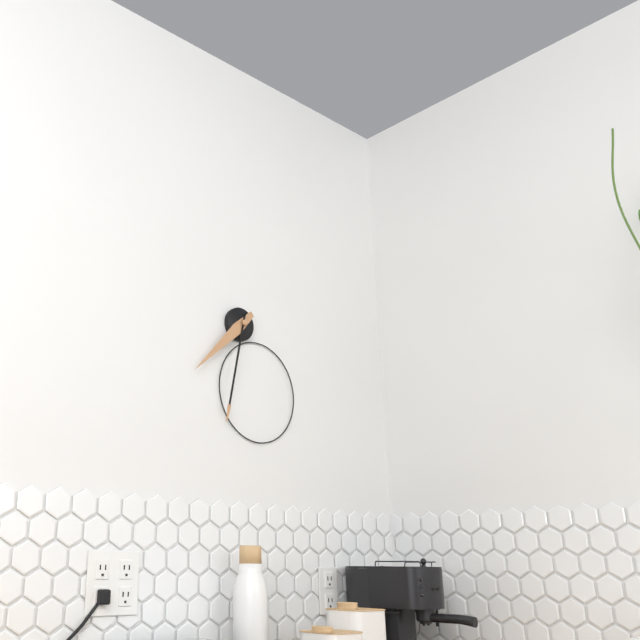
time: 7:32
